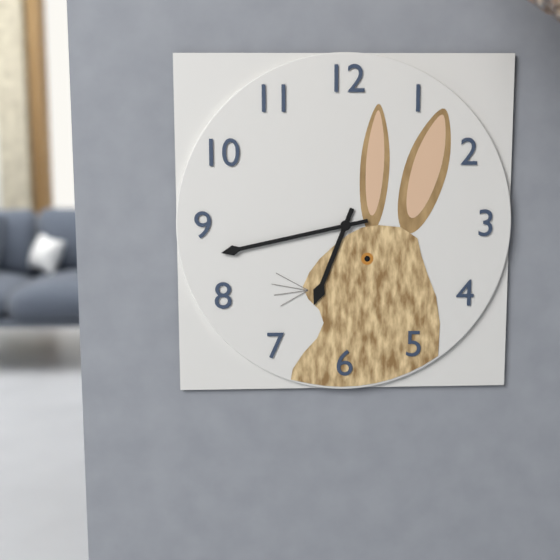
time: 6:43
